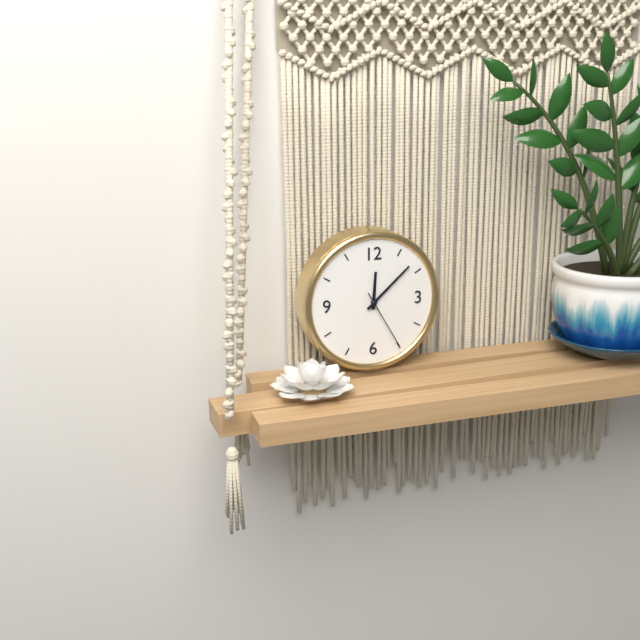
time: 12:08:25
